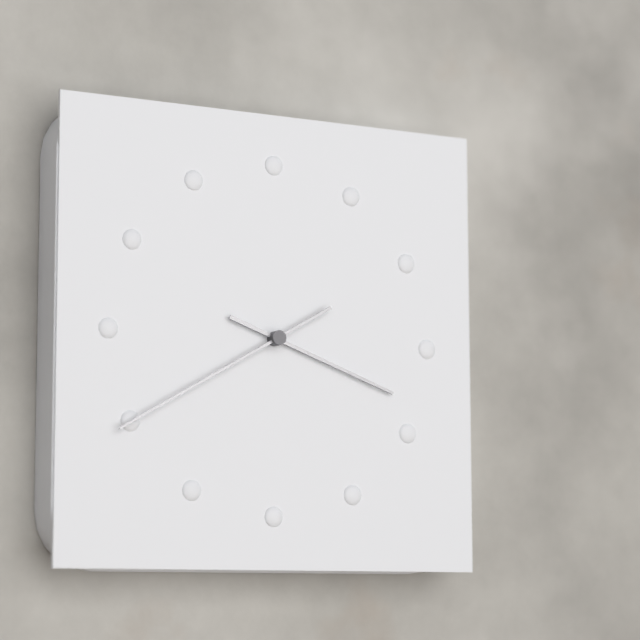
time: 3:40
